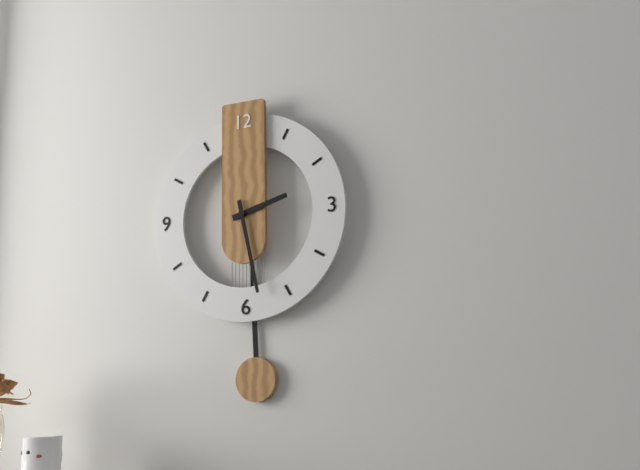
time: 2:28
